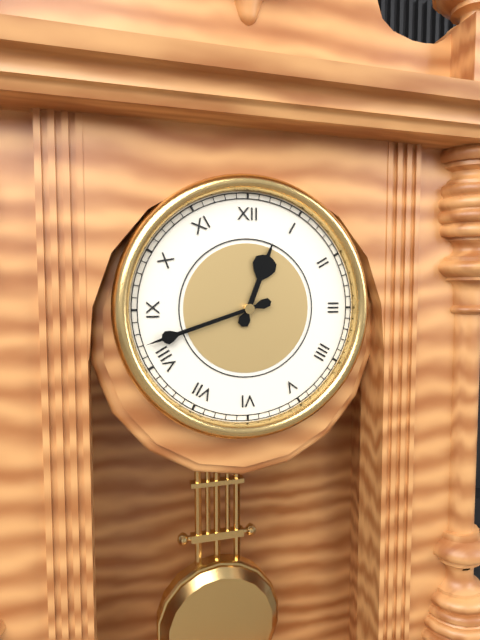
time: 12:42
